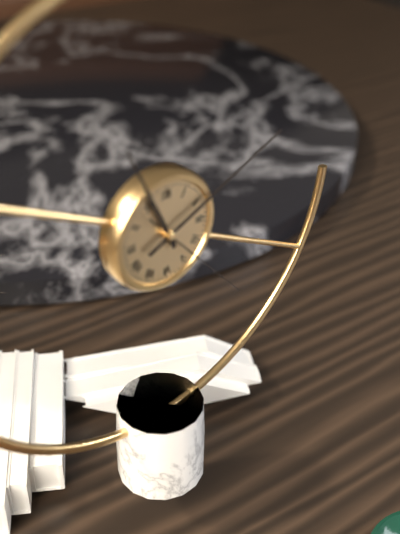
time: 11:11:23
